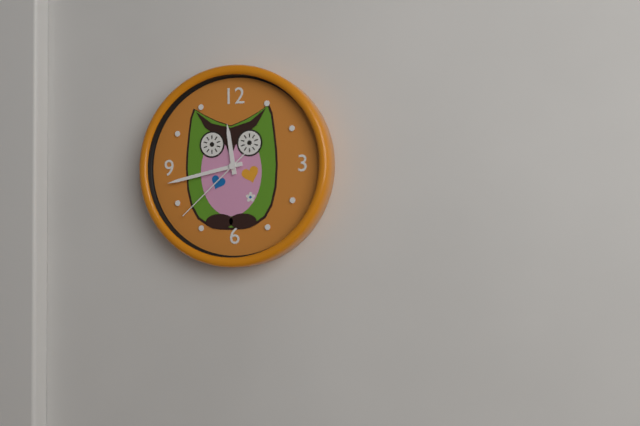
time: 11:43:38
